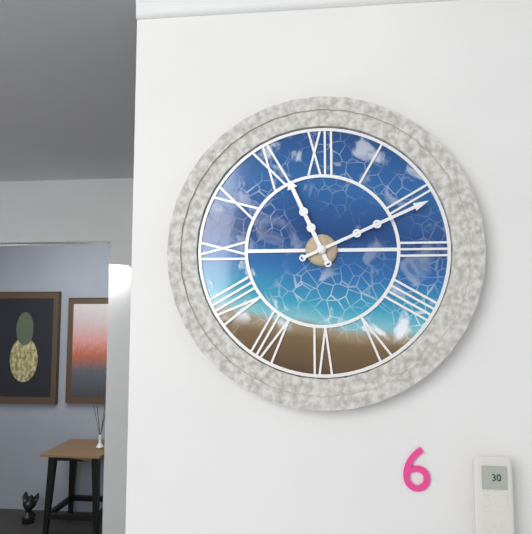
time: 11:11
